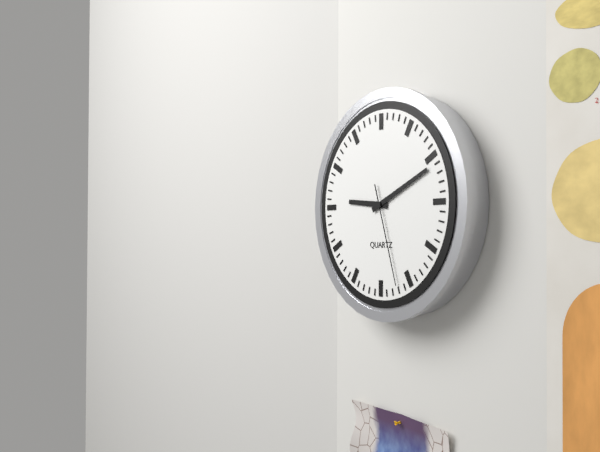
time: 9:11:27
